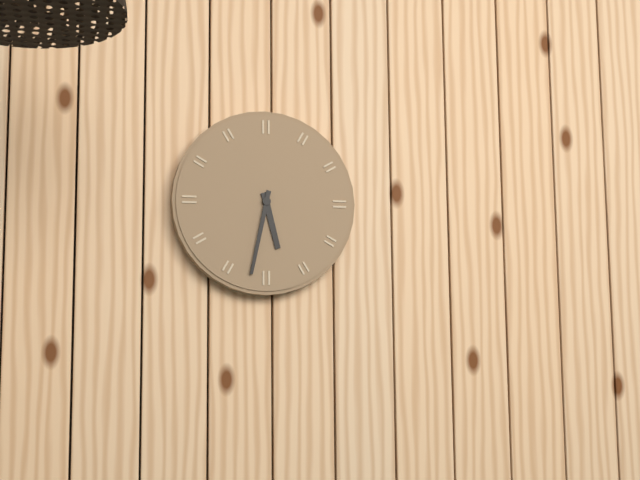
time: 5:32
